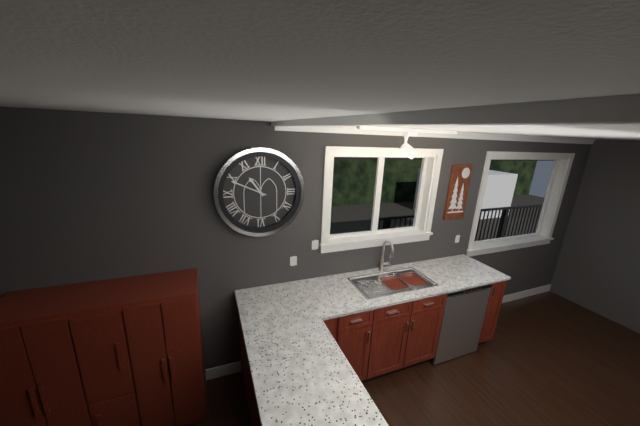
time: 10:49
